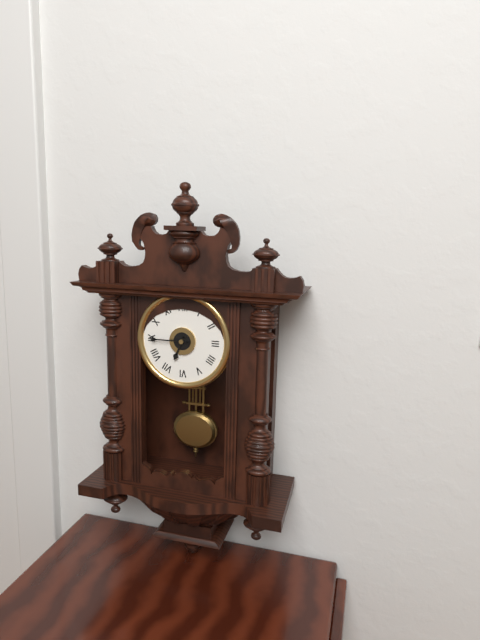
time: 6:45
